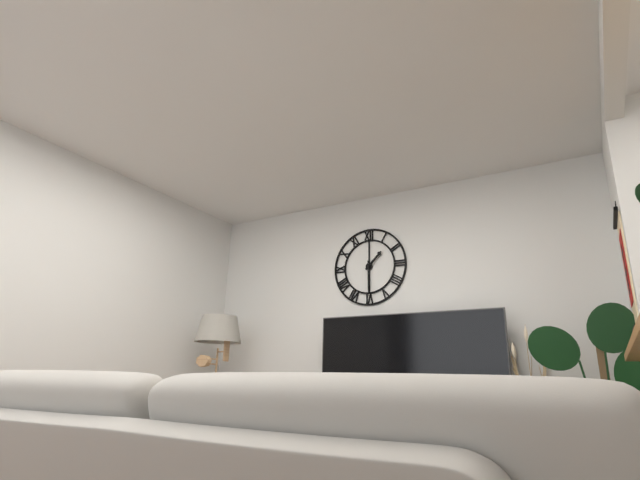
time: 1:30
